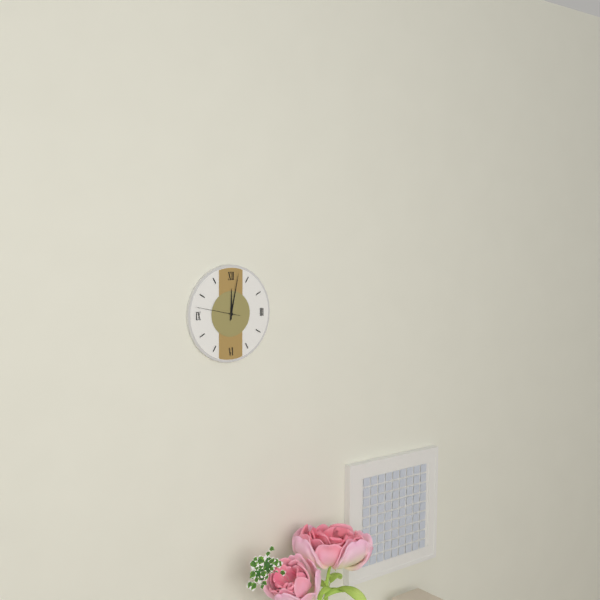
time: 12:02
